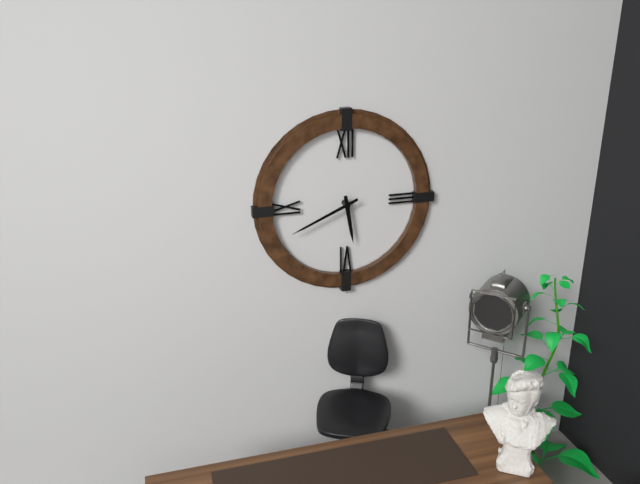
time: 5:41
